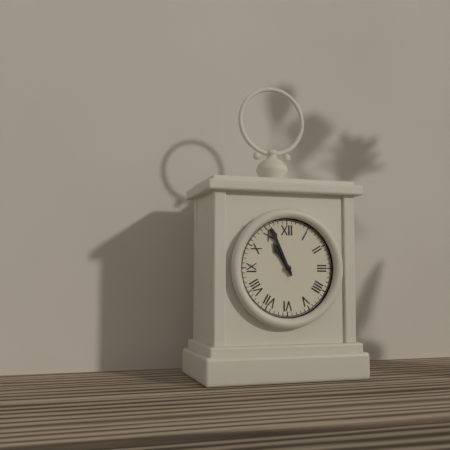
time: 10:56
